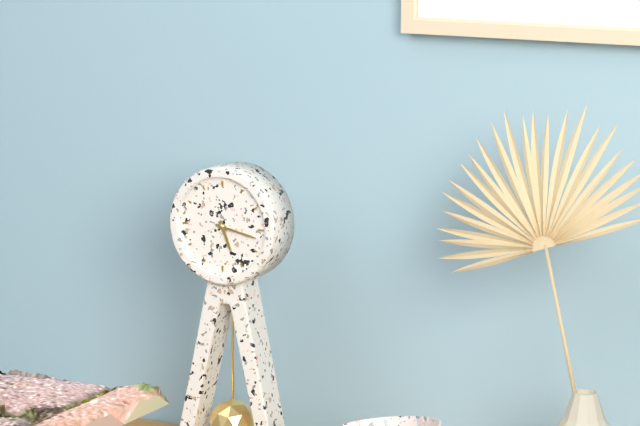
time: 5:17
